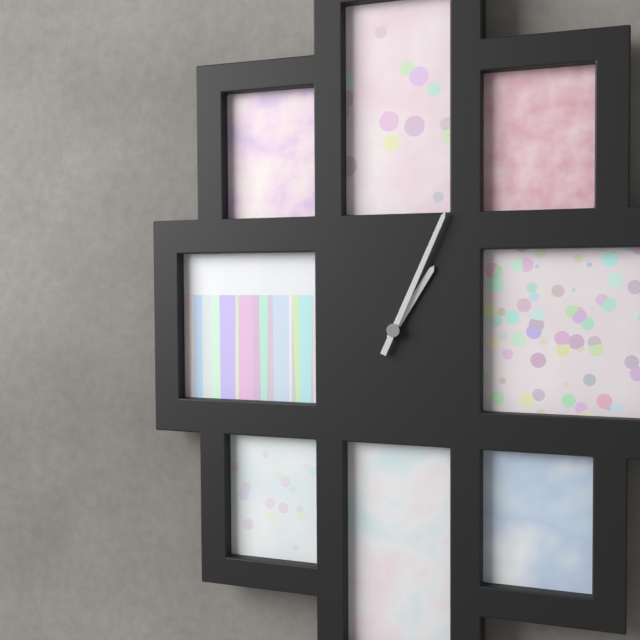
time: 1:04
